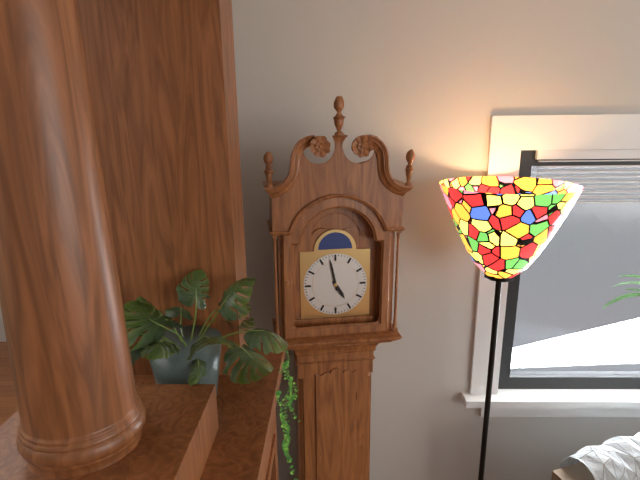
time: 4:58
